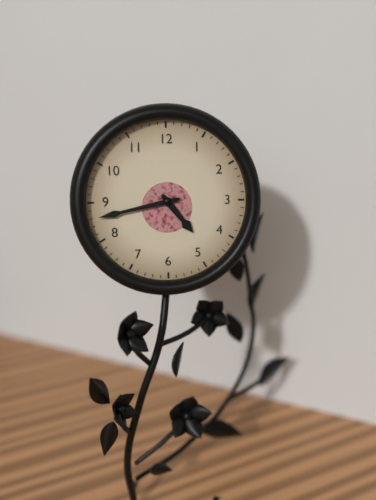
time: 4:43
